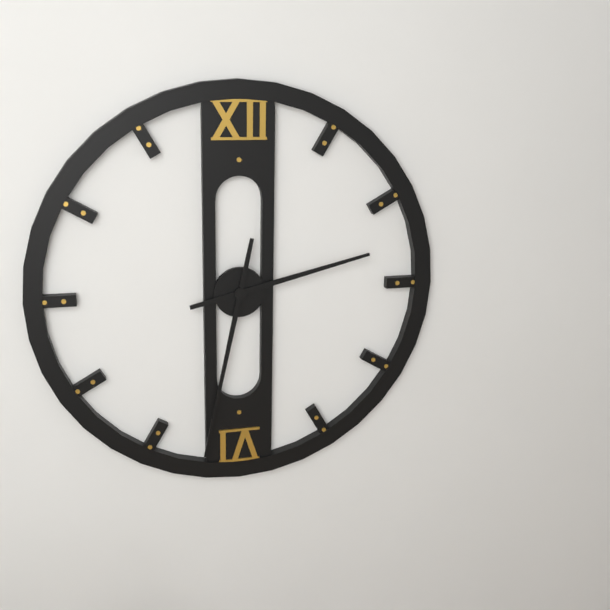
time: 2:32
